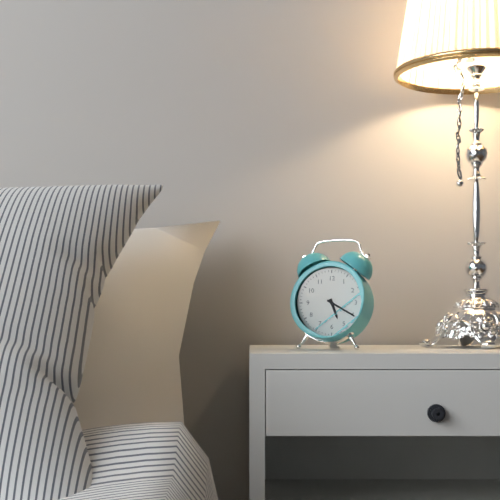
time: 5:20
